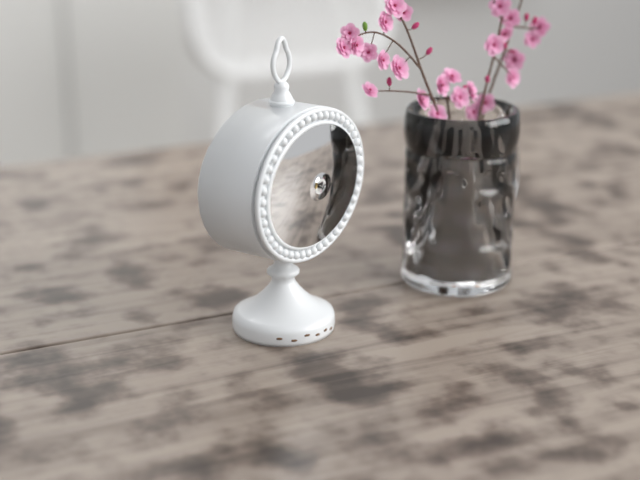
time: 3:46
